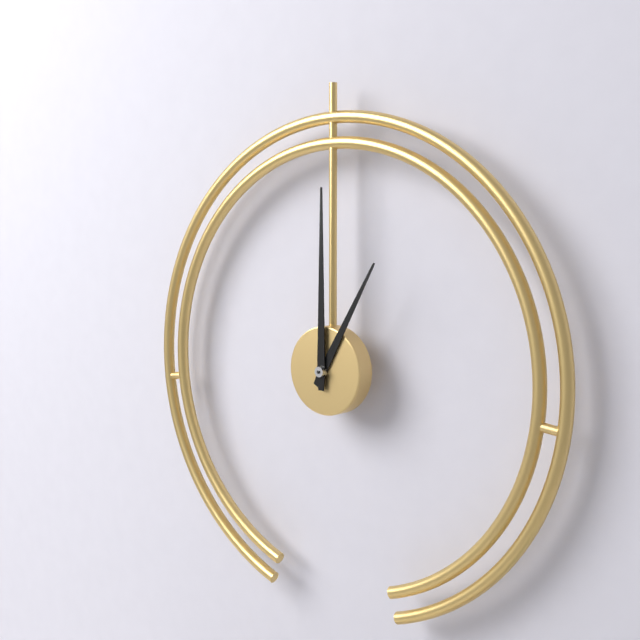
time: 1:00
